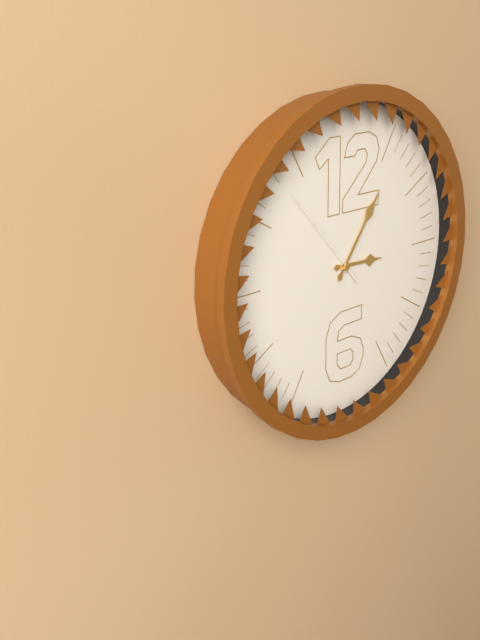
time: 3:06:53
